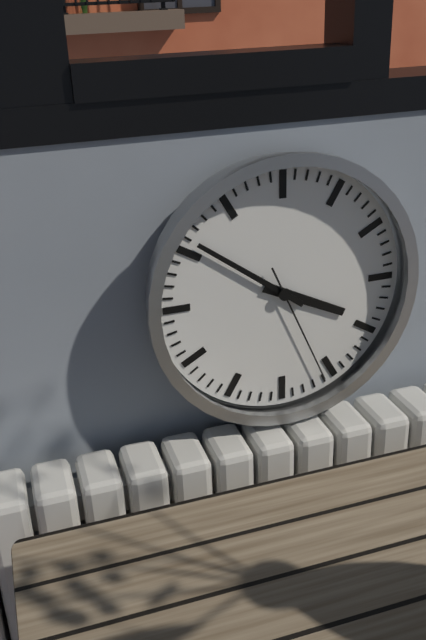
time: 3:51:26
